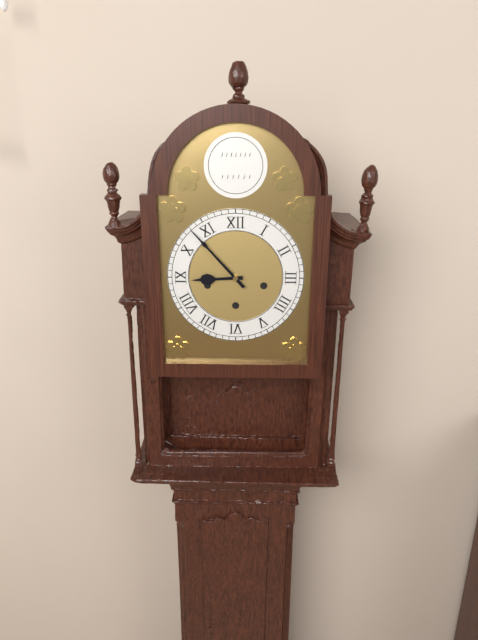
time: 8:53
